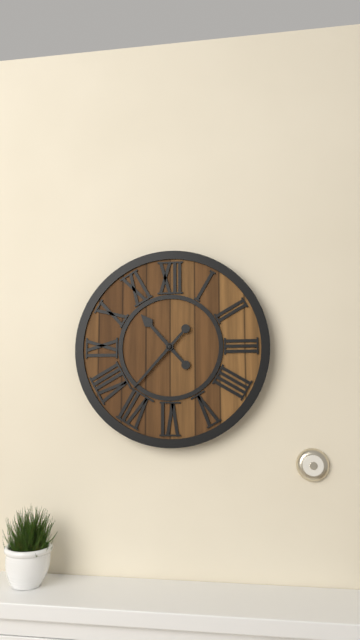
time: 10:37
